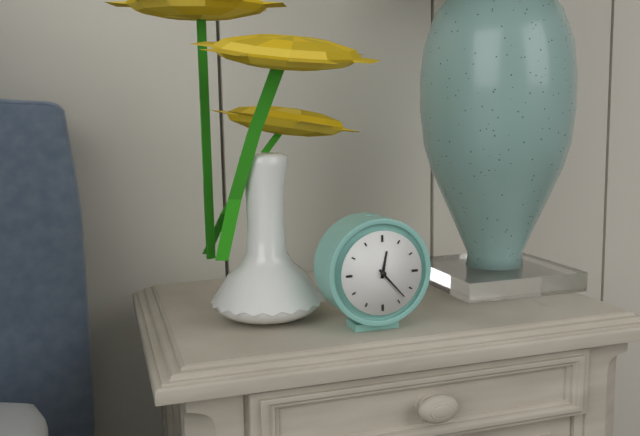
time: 12:23
